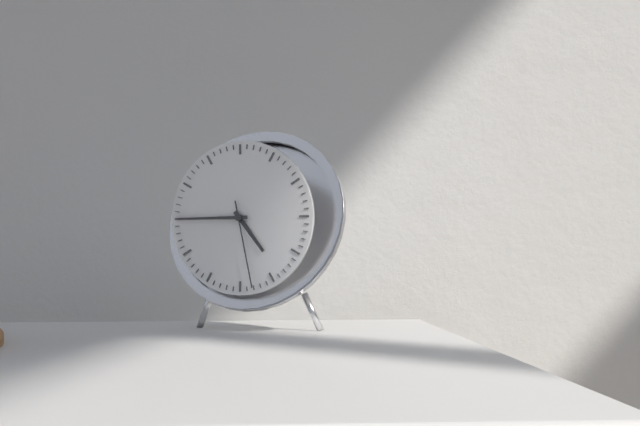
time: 4:45:28
